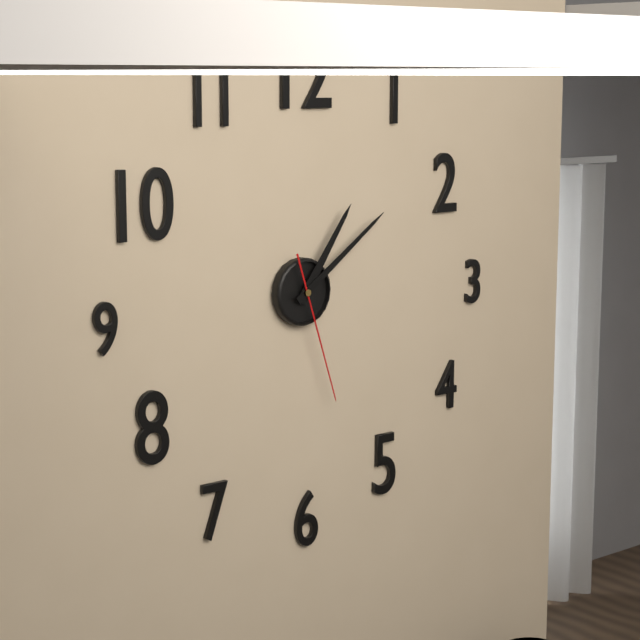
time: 1:09:27
